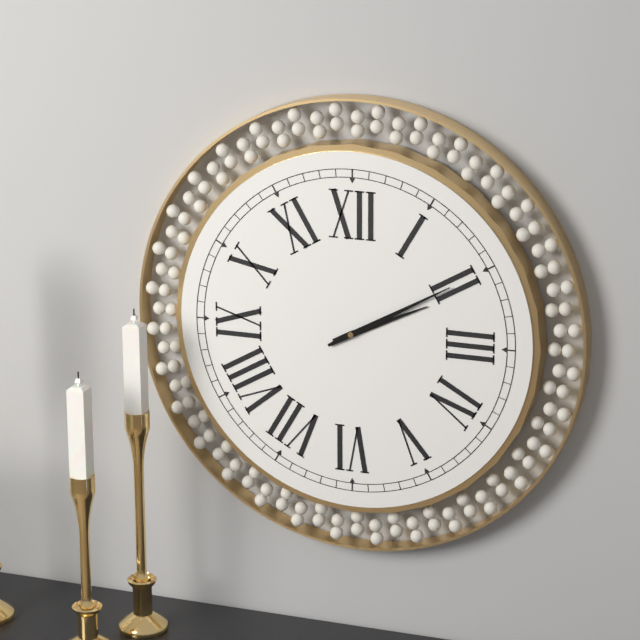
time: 2:10
